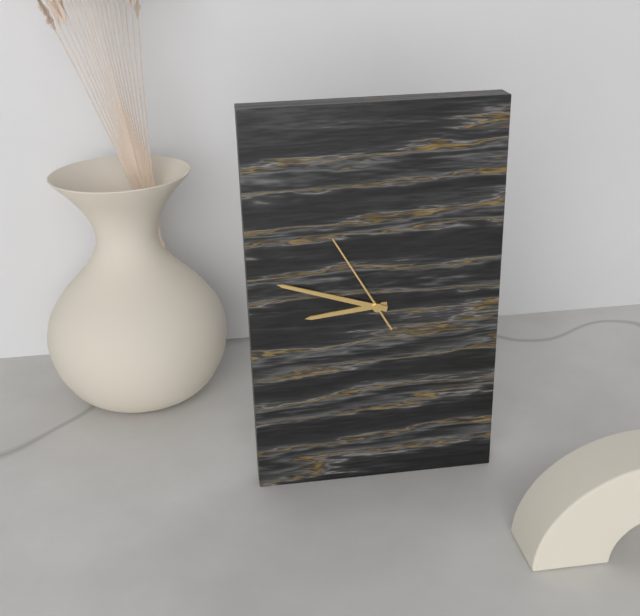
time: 8:48:55
